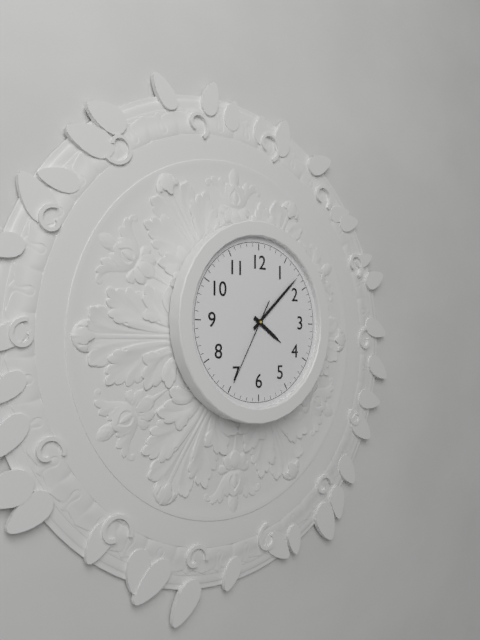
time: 4:08:35
